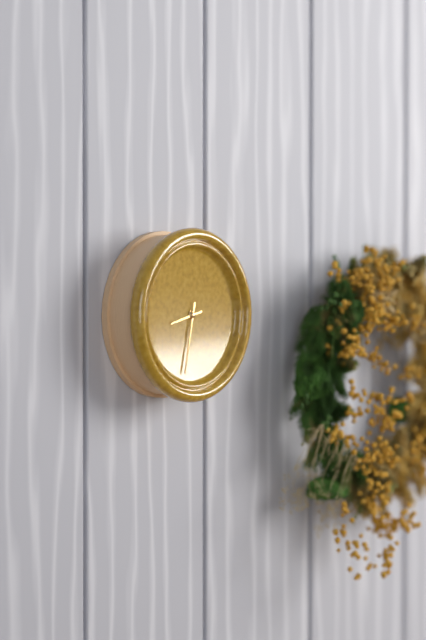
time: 8:32
